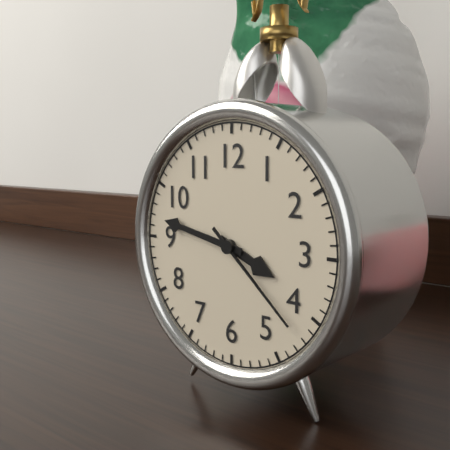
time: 3:47:22
